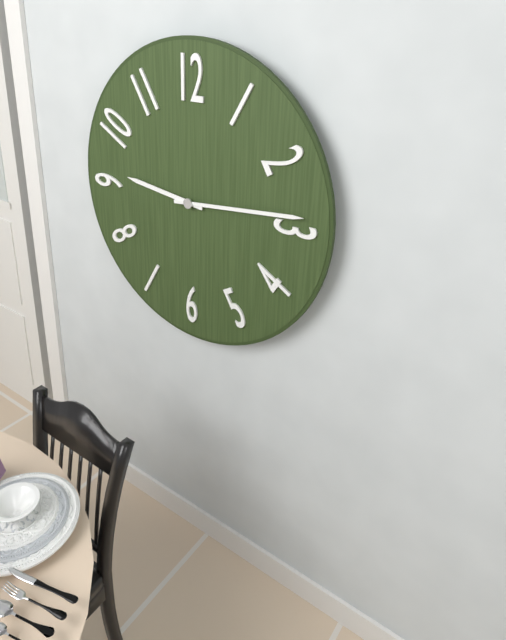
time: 9:14
